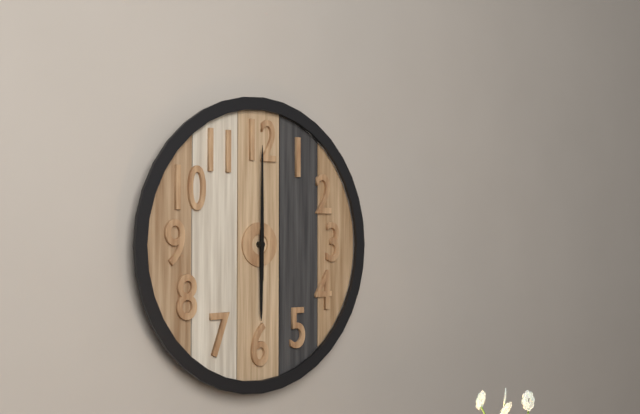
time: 6:00
